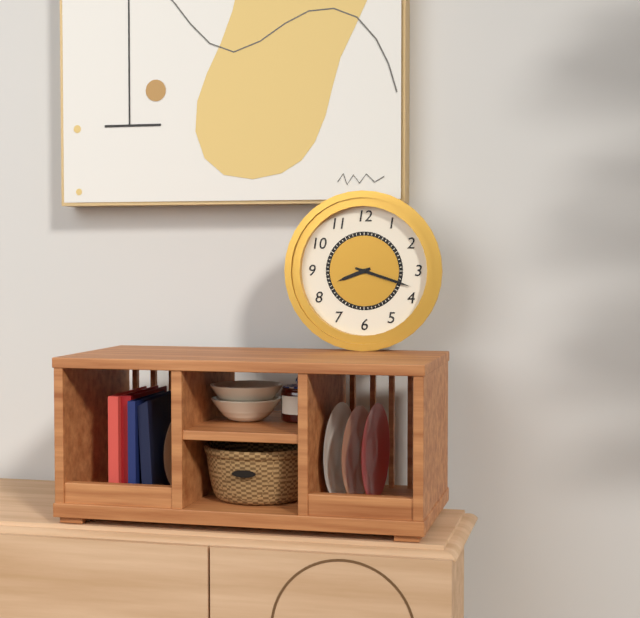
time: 8:18
